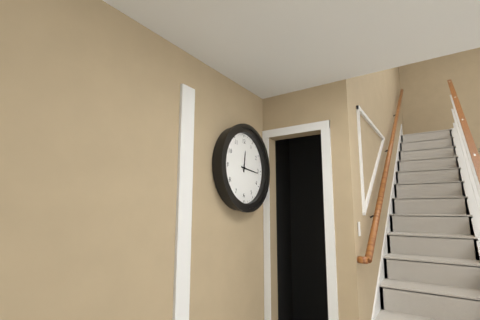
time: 12:16
